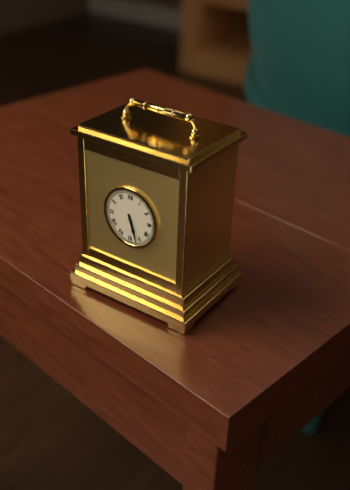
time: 5:27
